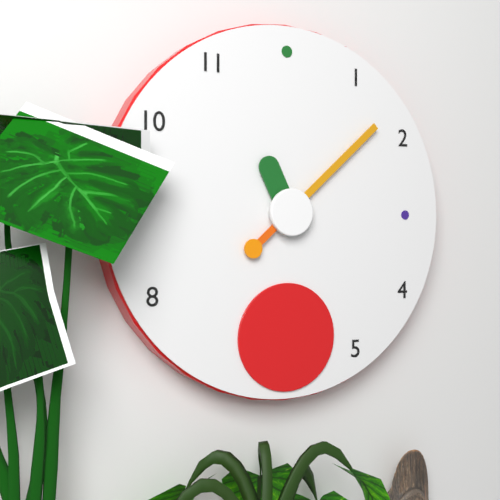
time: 11:08
